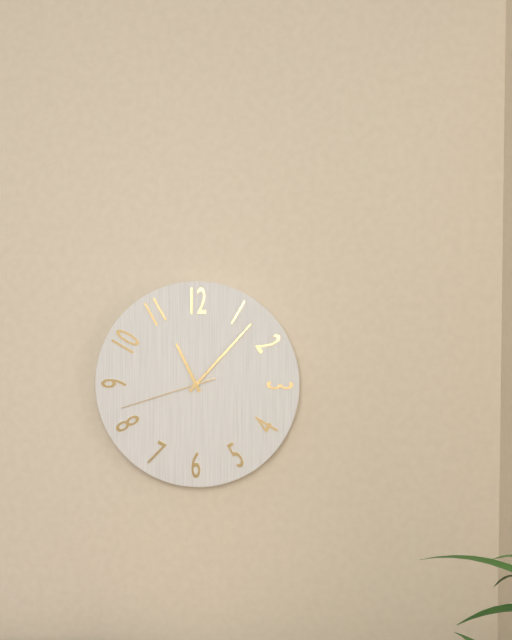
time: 11:07:42
